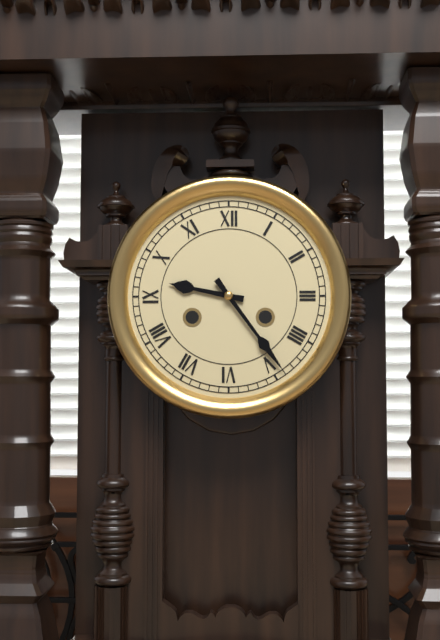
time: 9:24
